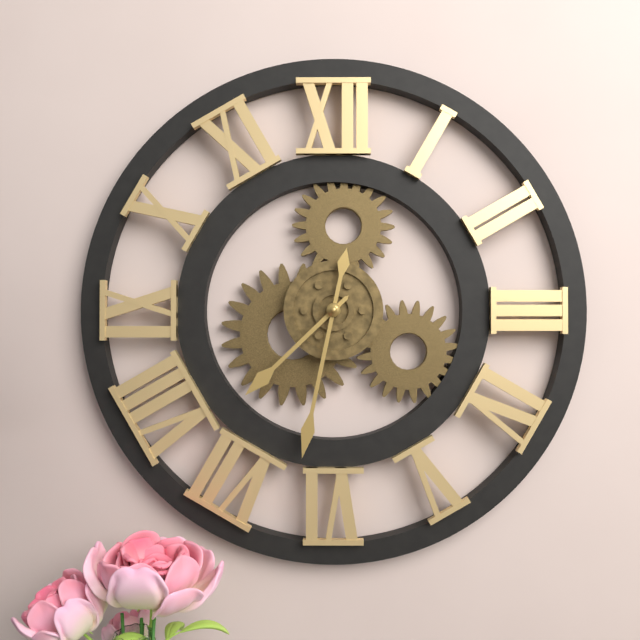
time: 7:32
